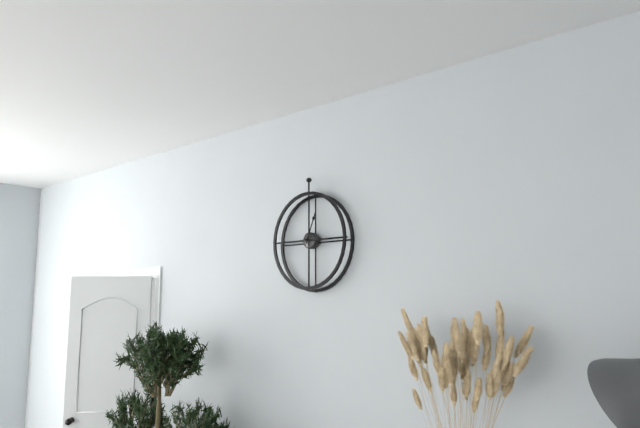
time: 12:45
